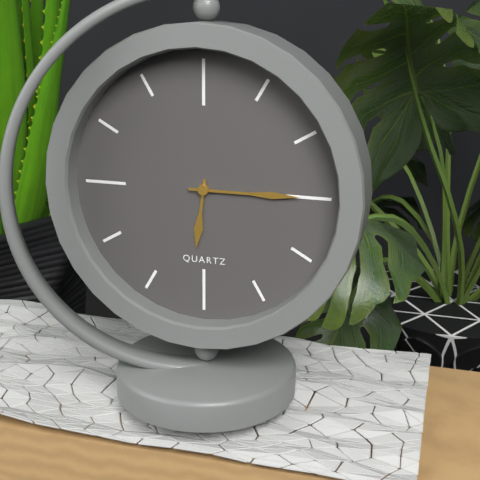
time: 6:15
